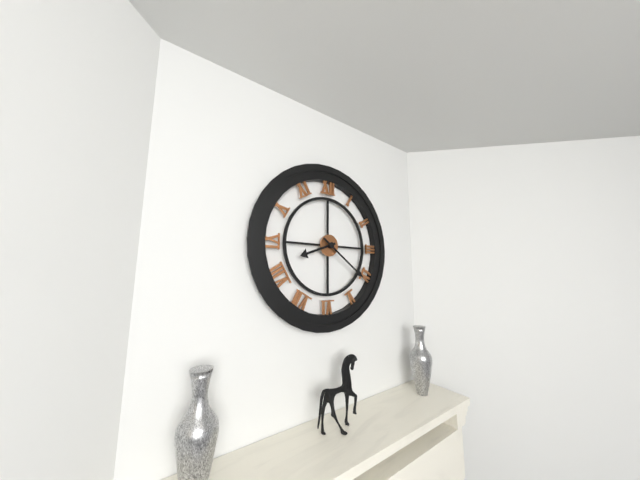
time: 8:21
